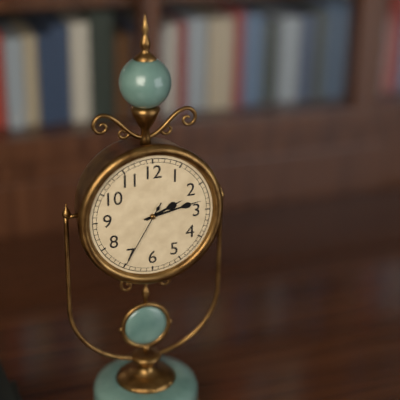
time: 2:13:35
